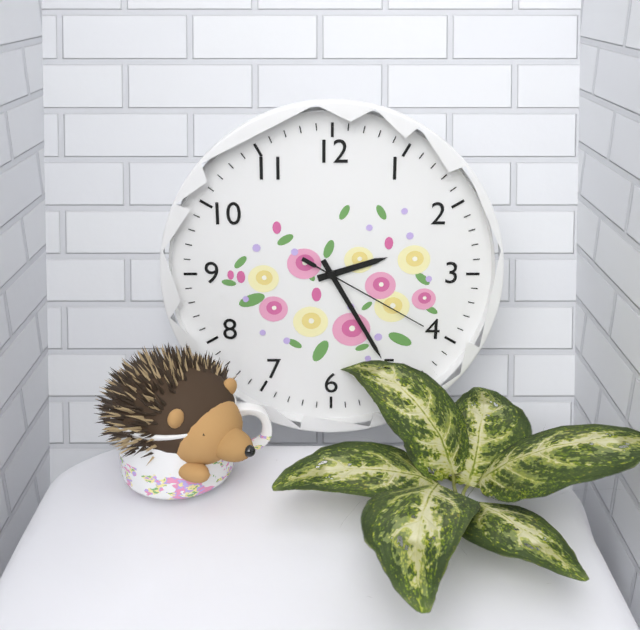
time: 2:25:20
